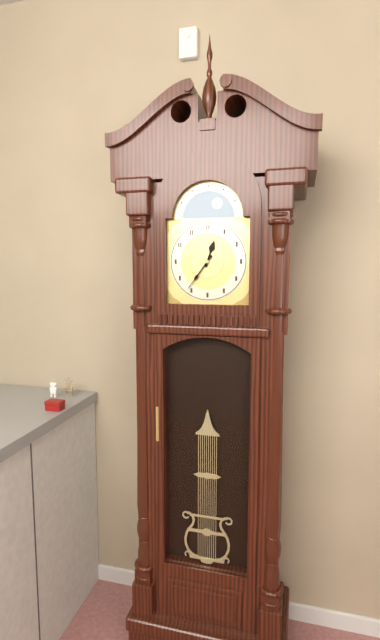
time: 12:36
